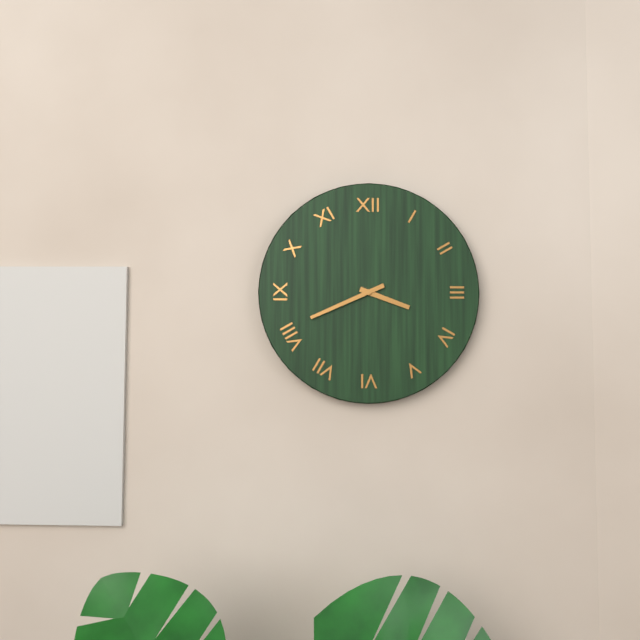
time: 3:41
